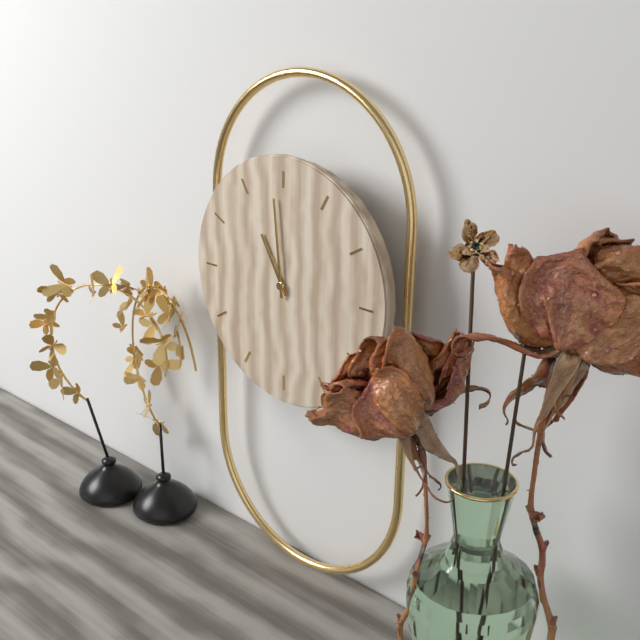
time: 10:59
